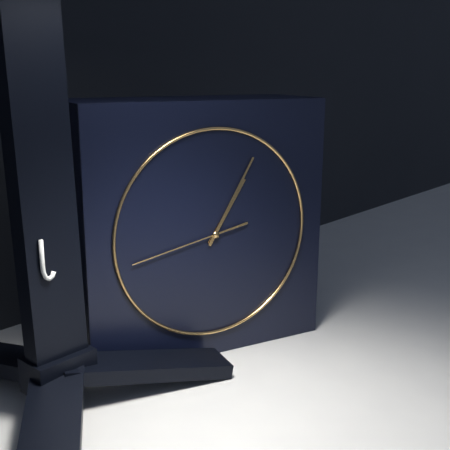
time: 1:05:43
